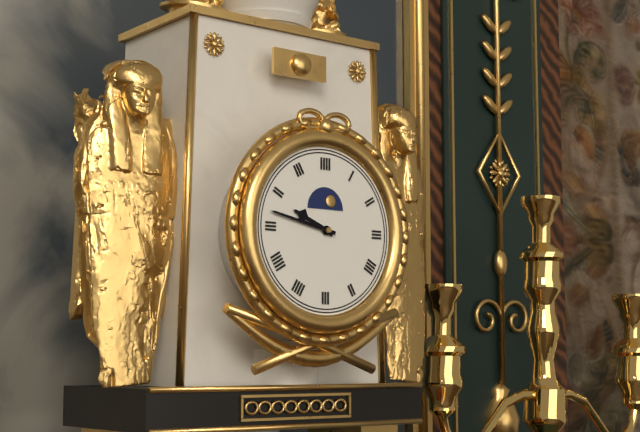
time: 9:47
